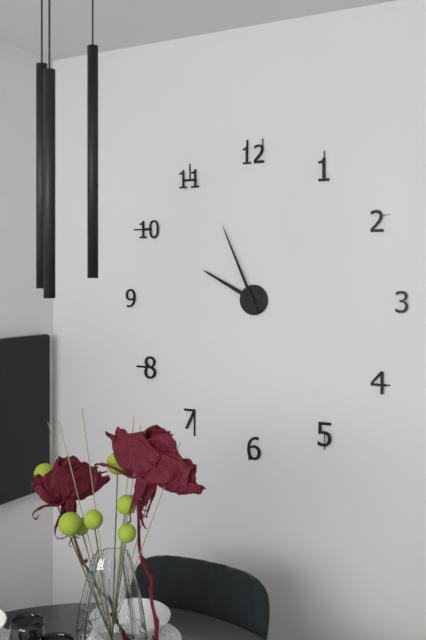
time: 9:56
